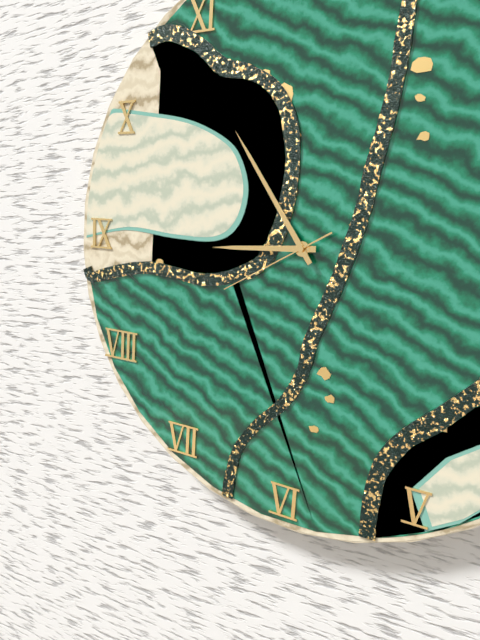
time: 8:54:40
